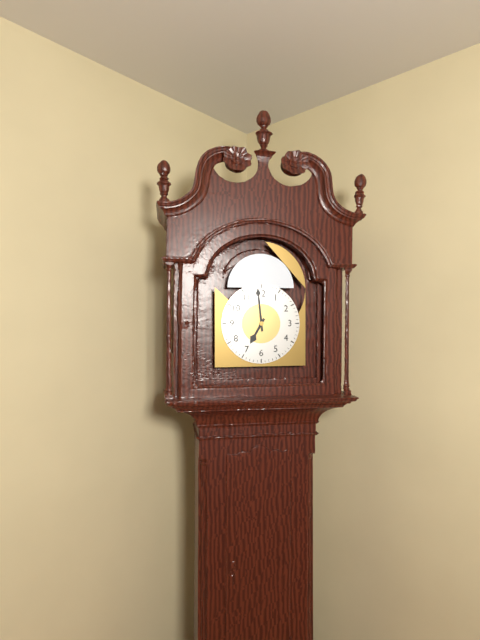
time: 6:59
